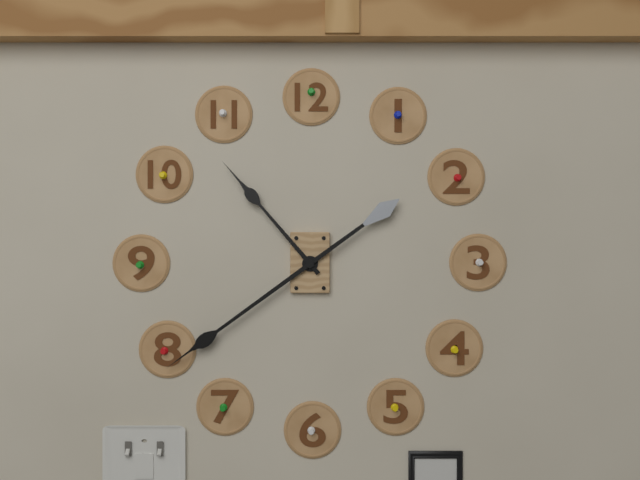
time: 10:39
